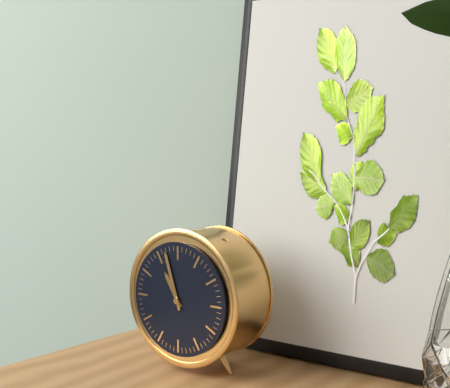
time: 10:57
